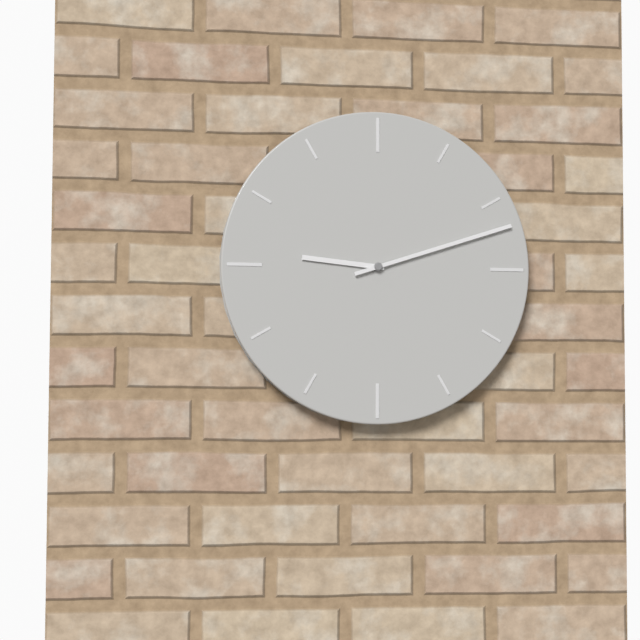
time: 9:12
